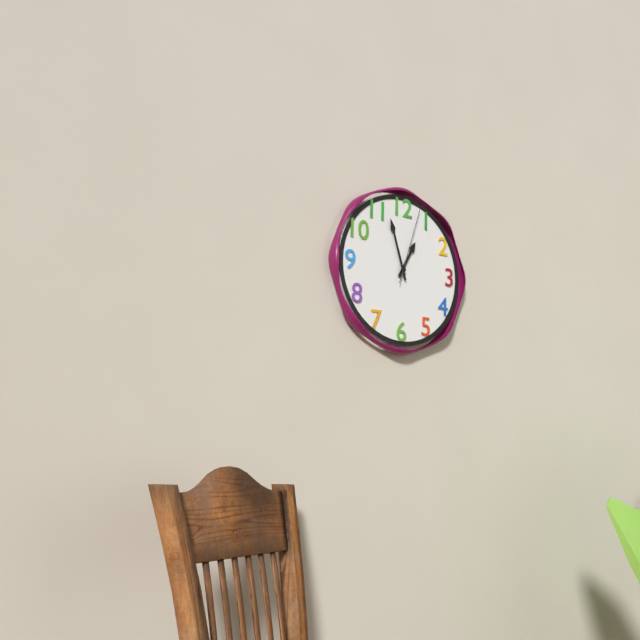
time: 12:57:03
